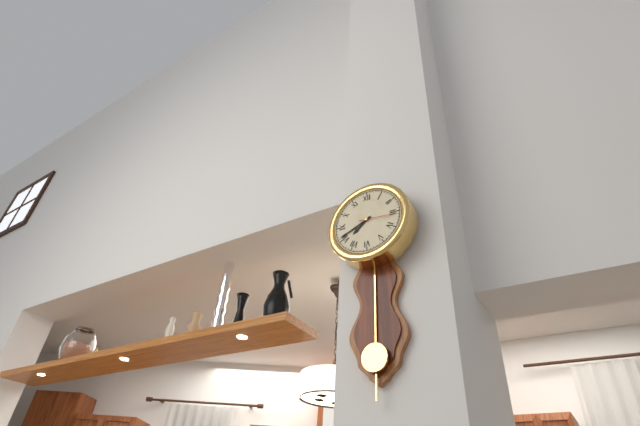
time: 7:41
